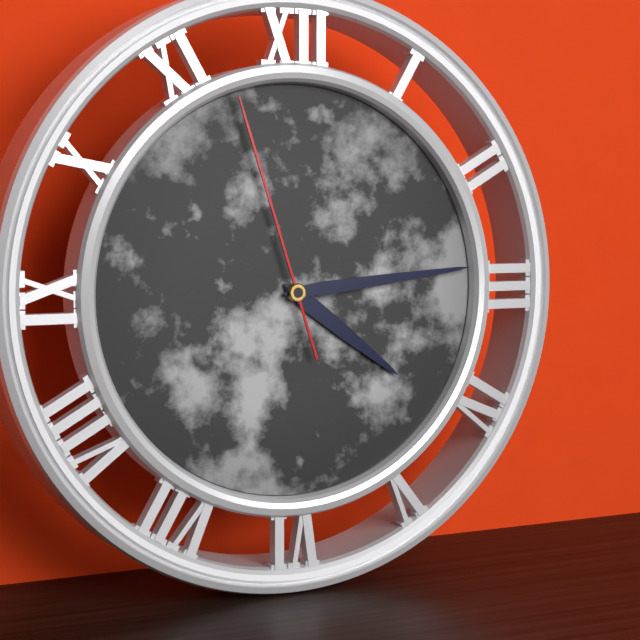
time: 4:14:57
